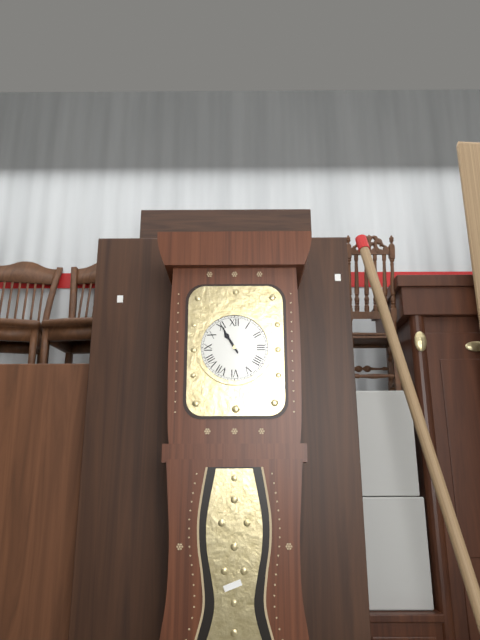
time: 10:55
